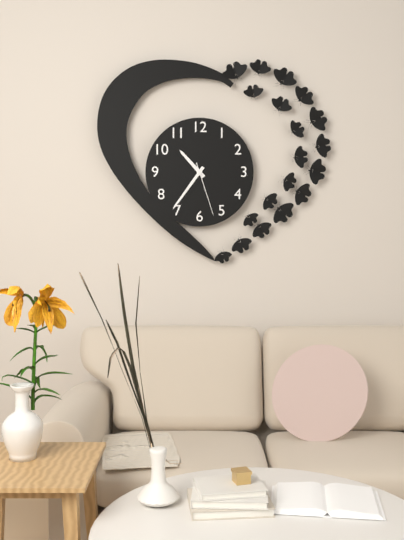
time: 10:36:27
